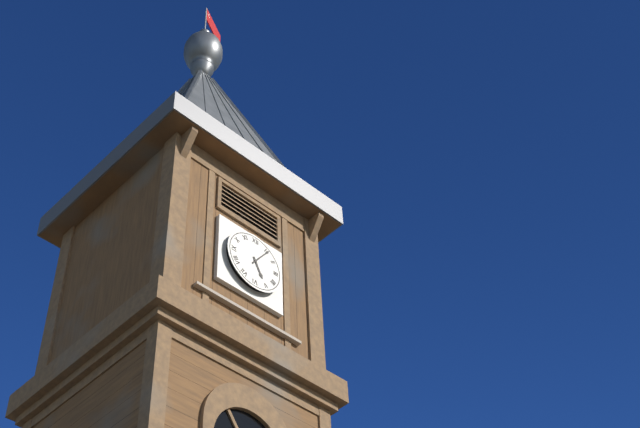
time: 5:06
